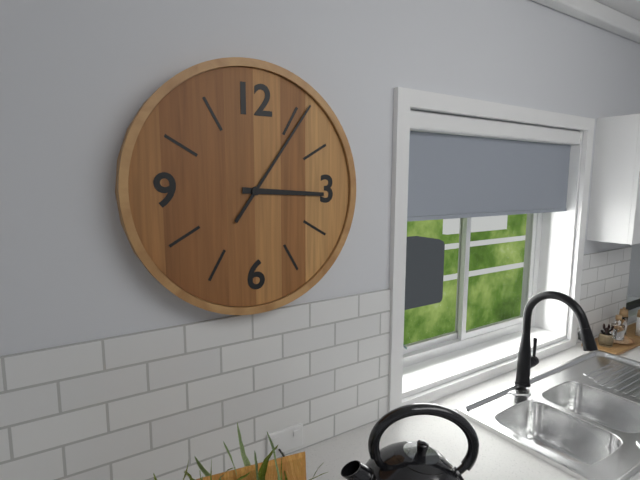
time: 3:06
